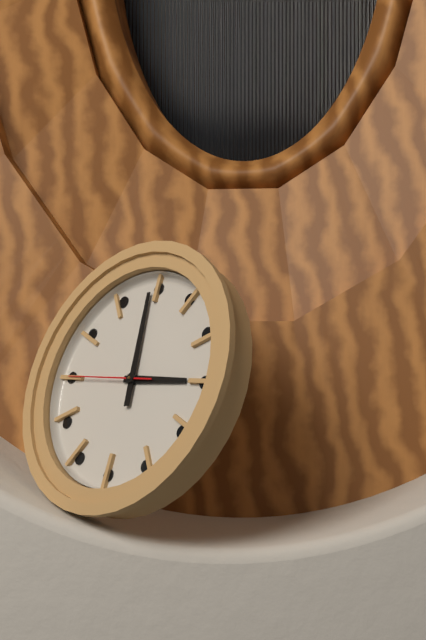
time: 2:59:45
